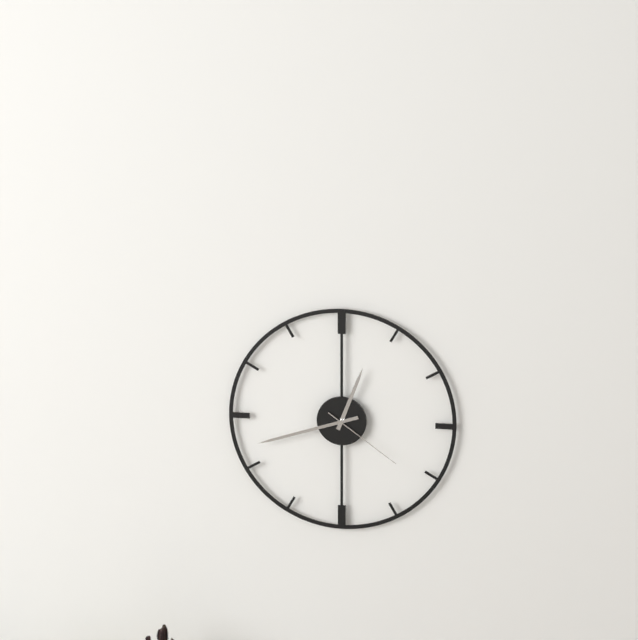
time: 12:42:21
